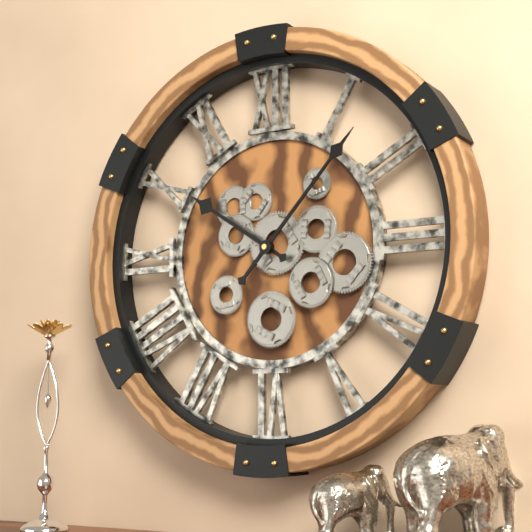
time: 10:07
